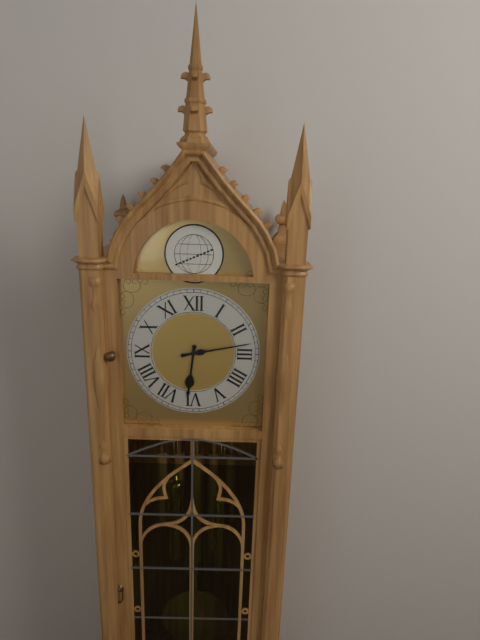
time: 6:13
